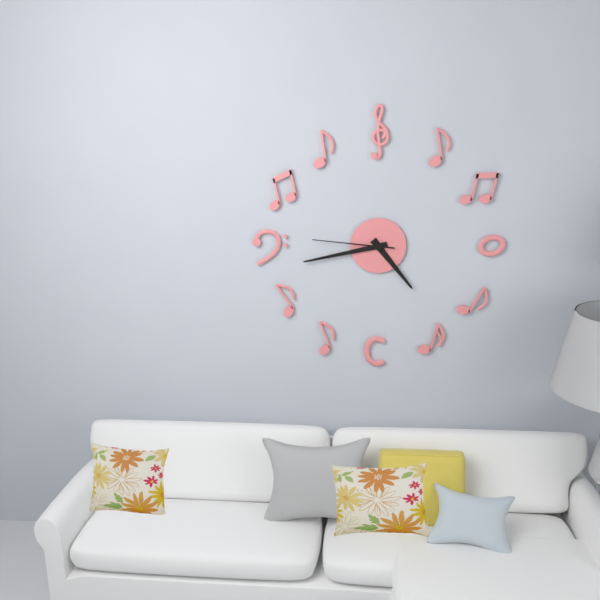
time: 4:43:46
